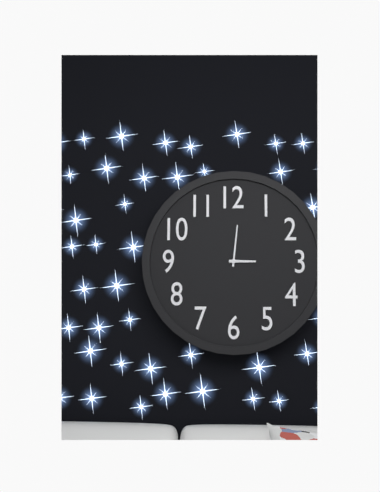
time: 3:01
